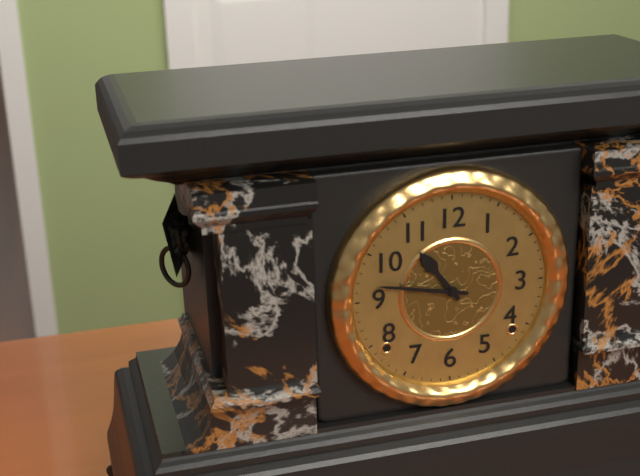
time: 10:47
